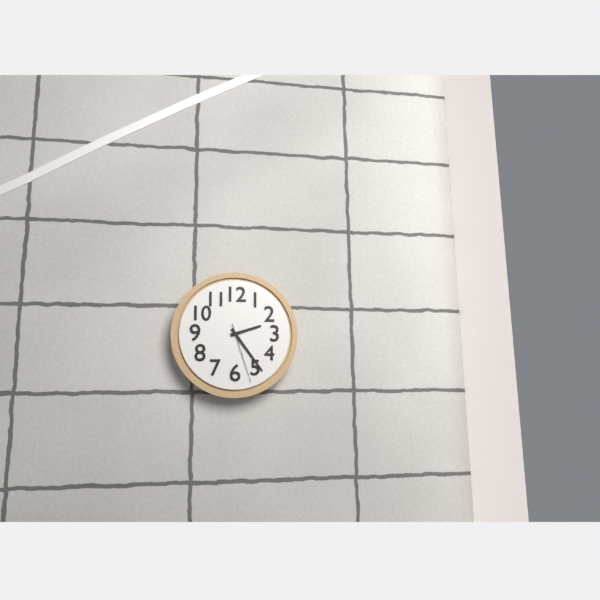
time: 2:24:27
